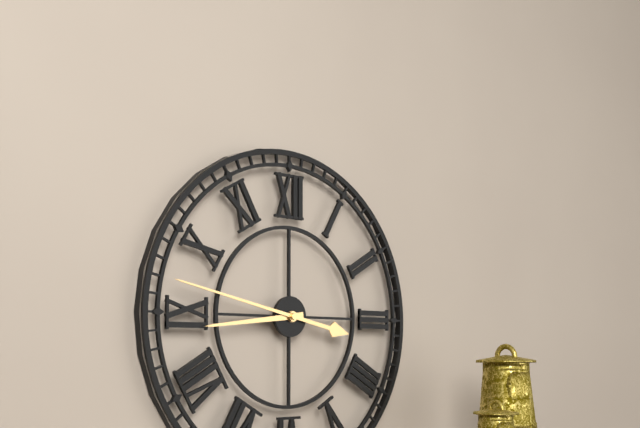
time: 8:47
